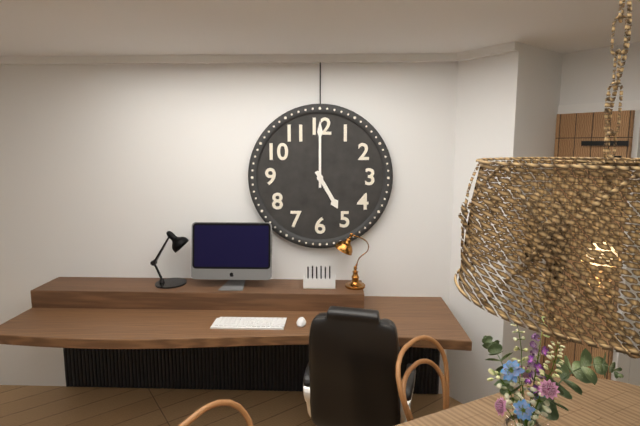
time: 5:00
